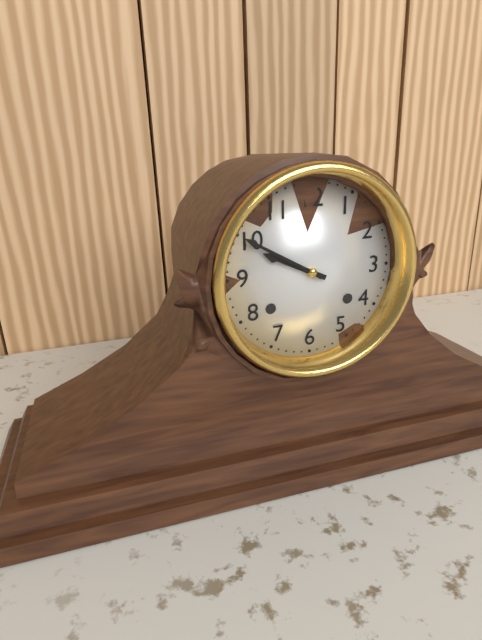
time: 9:50
